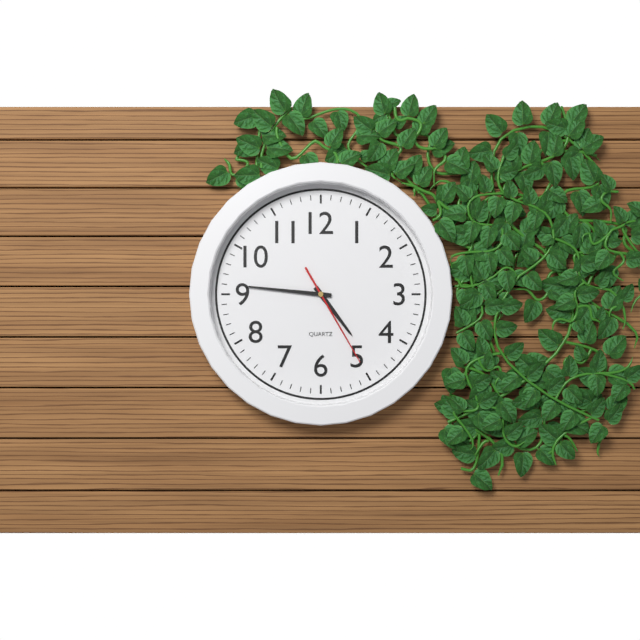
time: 4:46:25
